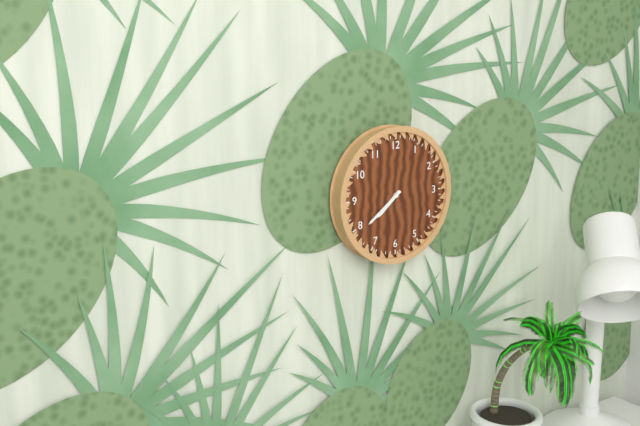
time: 7:39
